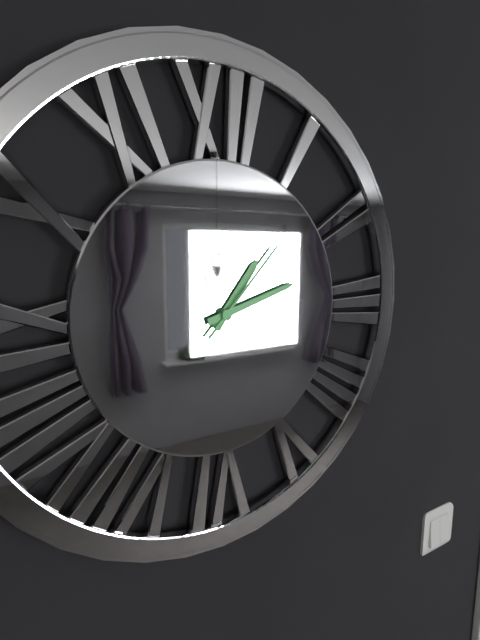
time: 1:12:07
